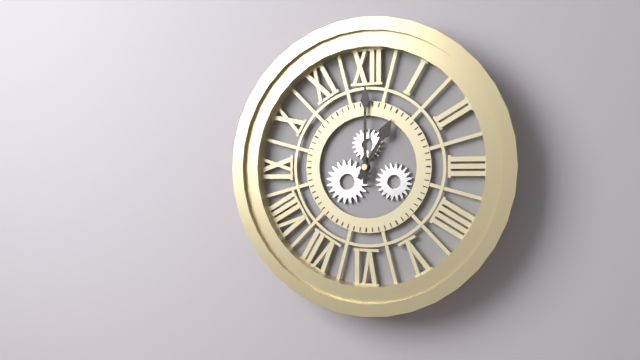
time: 1:00
